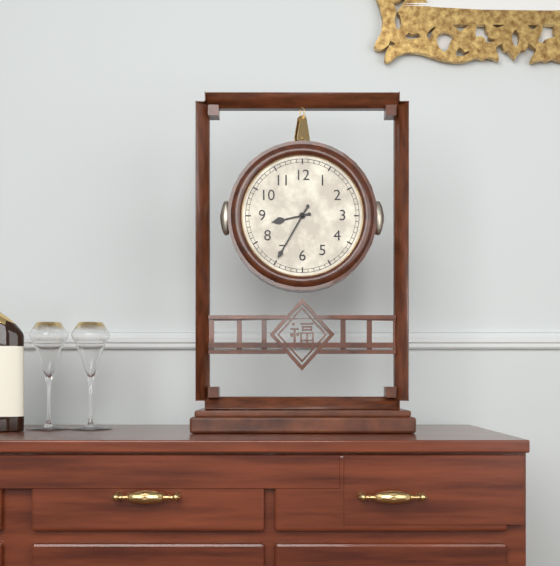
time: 8:35
